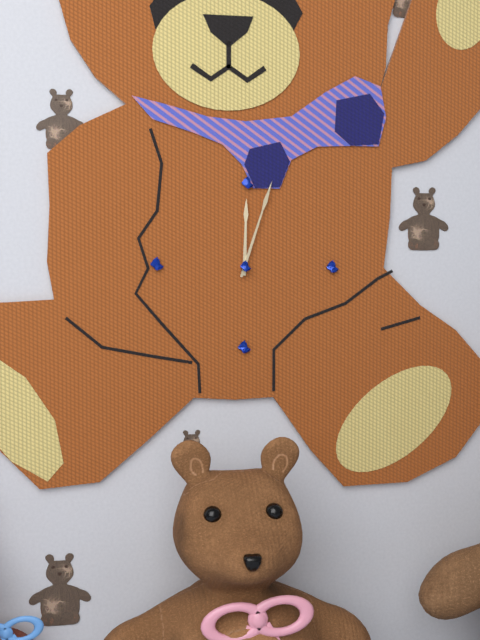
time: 12:03
